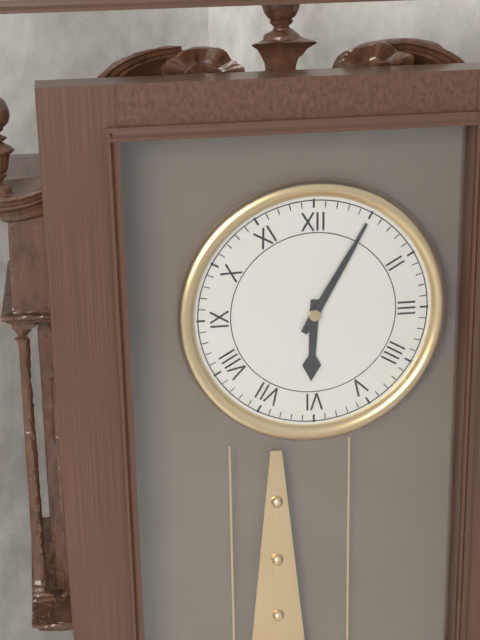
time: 6:05
